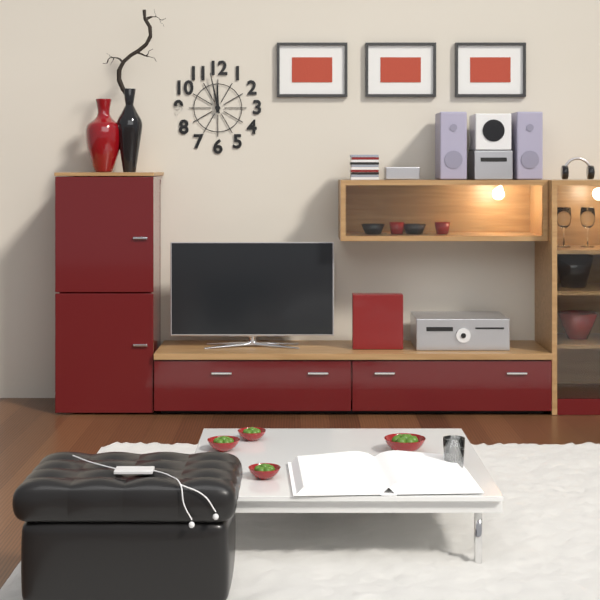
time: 11:58
